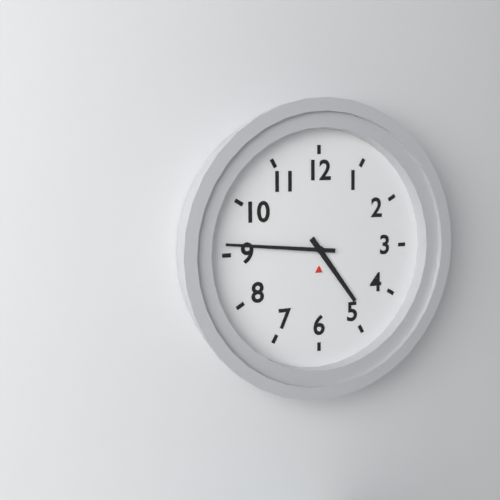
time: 4:46
